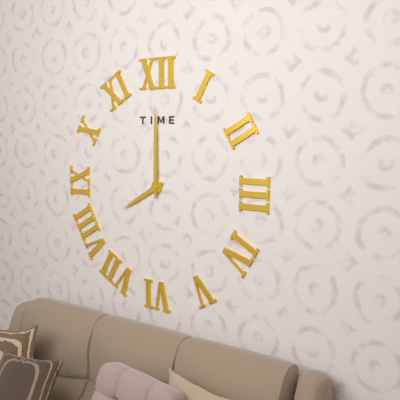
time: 8:00
